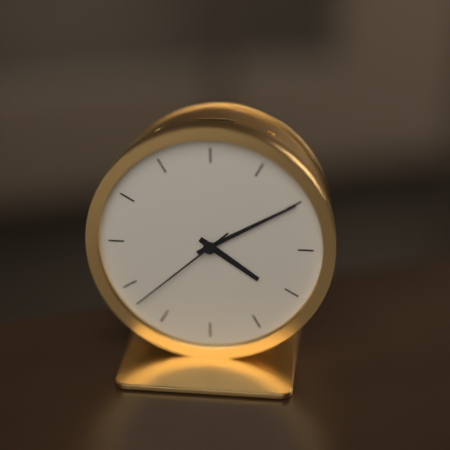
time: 4:10:38
